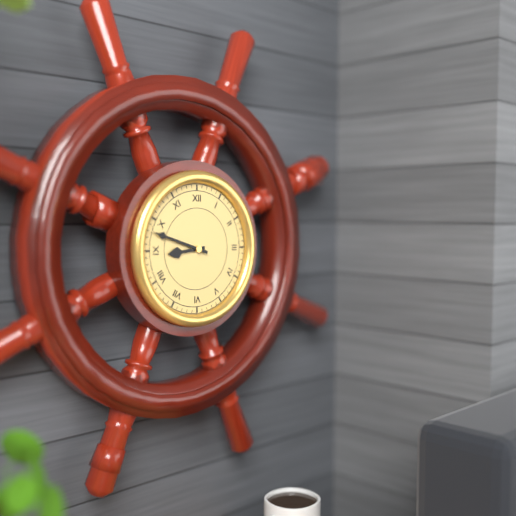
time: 8:48
